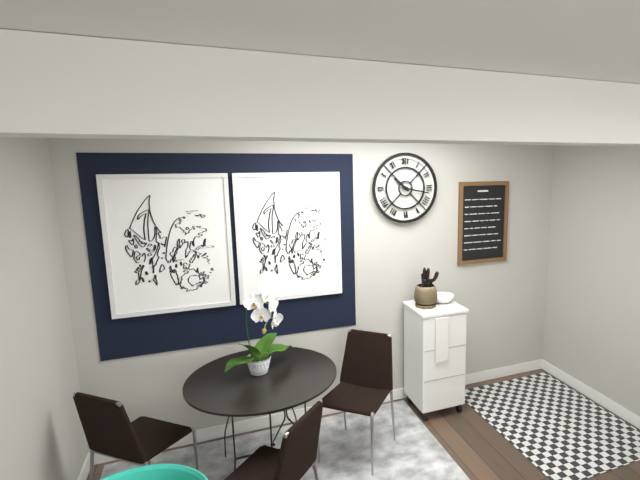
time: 10:17
